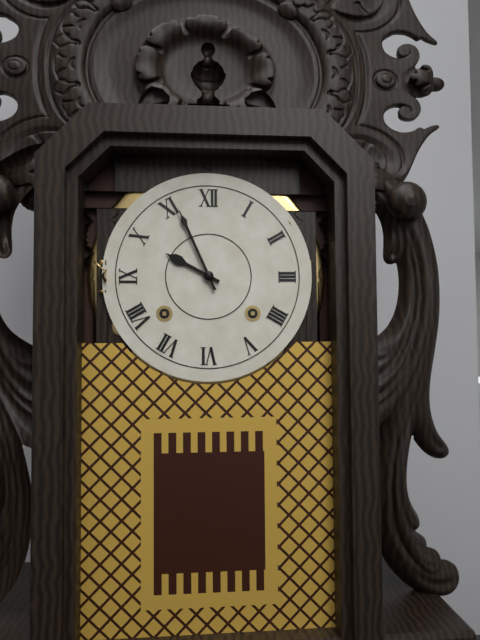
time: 9:56
